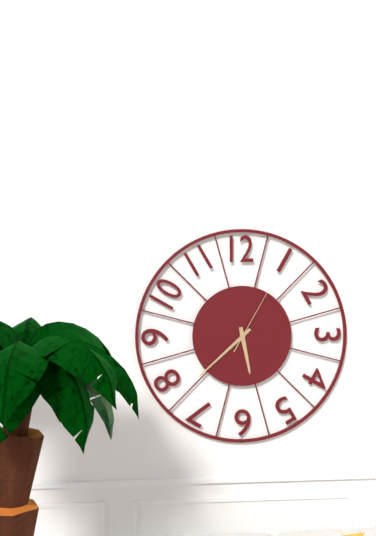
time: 5:38:05
